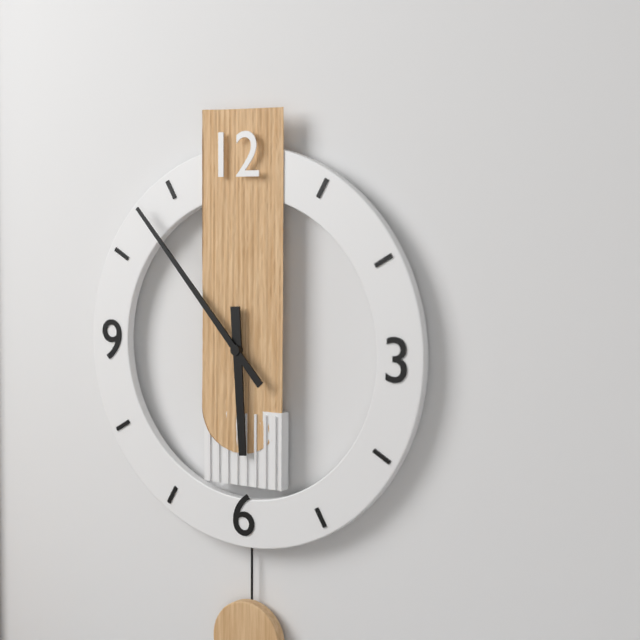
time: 5:53
